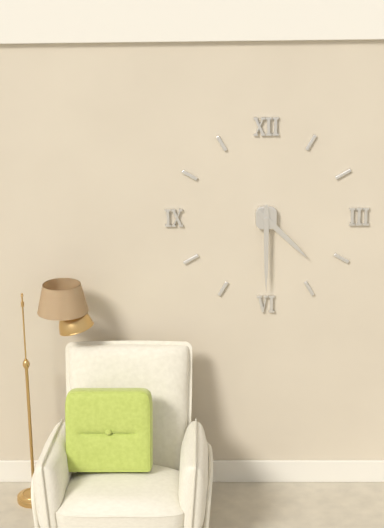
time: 4:30
